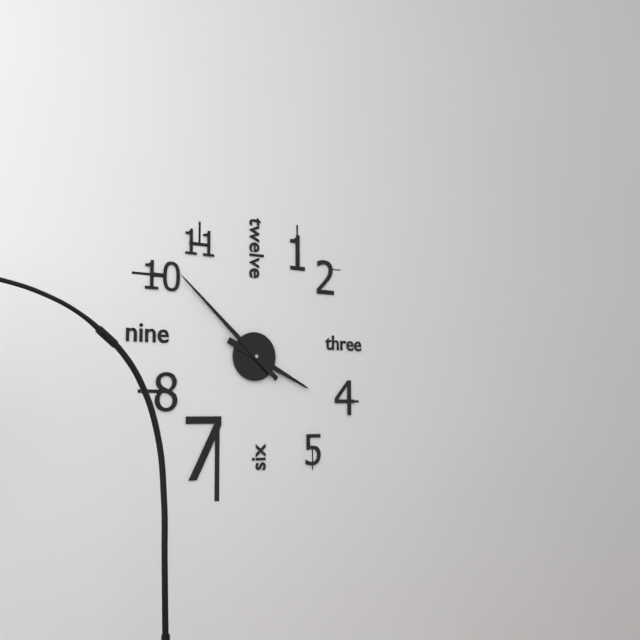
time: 3:52
